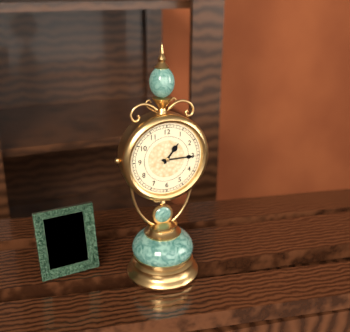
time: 1:15
